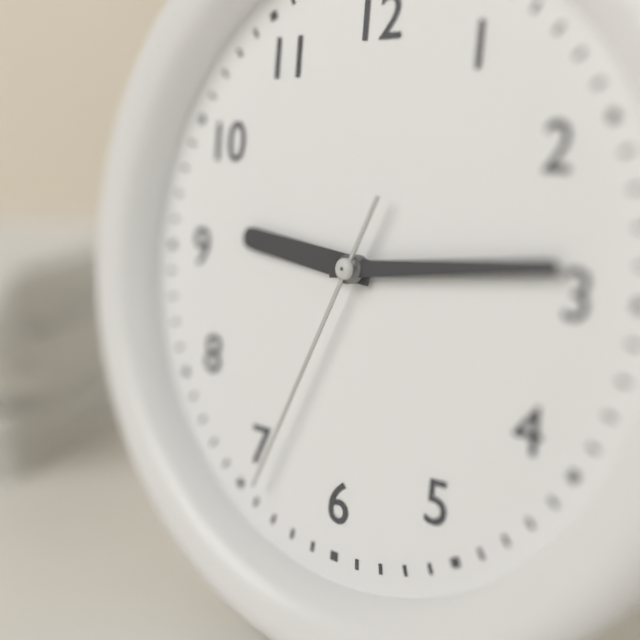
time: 9:14:34
